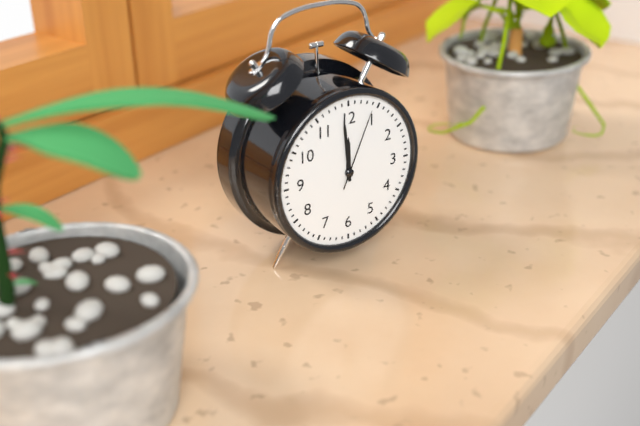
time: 11:59:04
